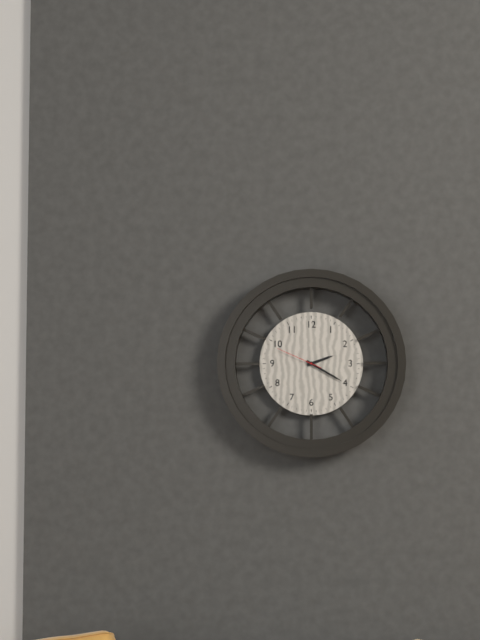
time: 2:20
